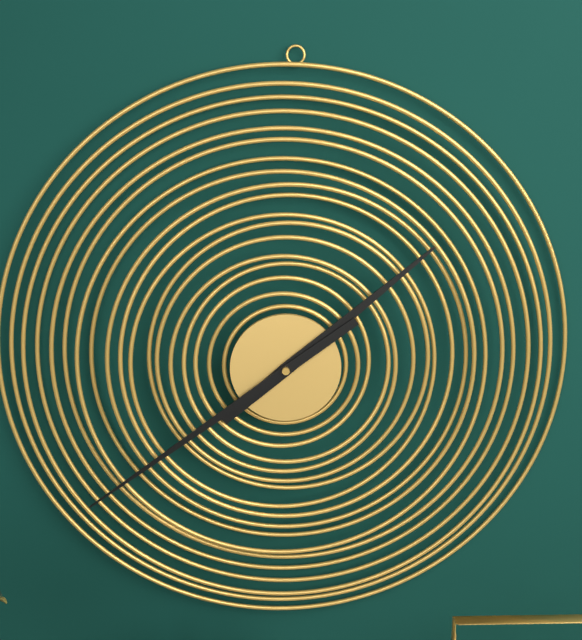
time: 1:39
